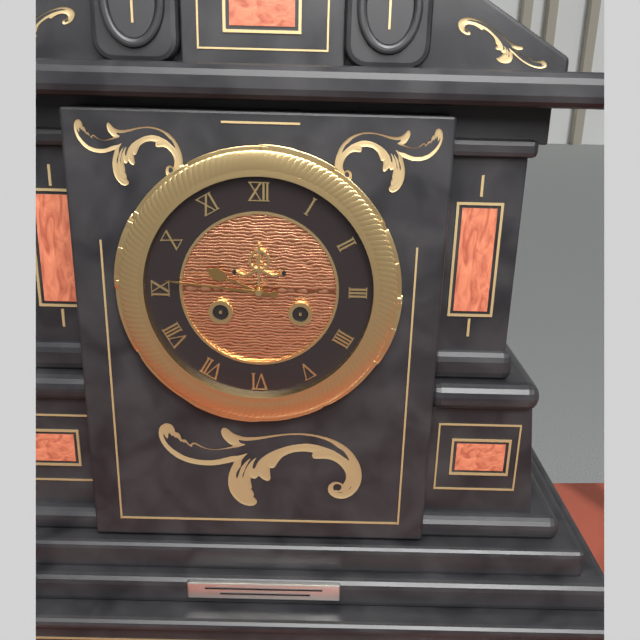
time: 9:46
